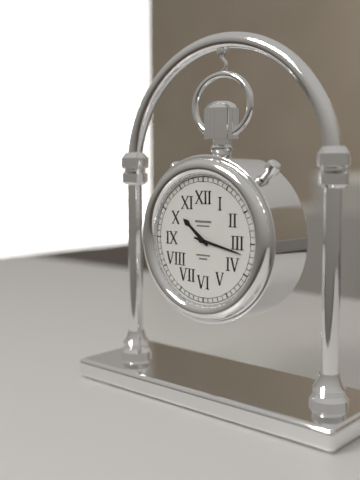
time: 10:17
